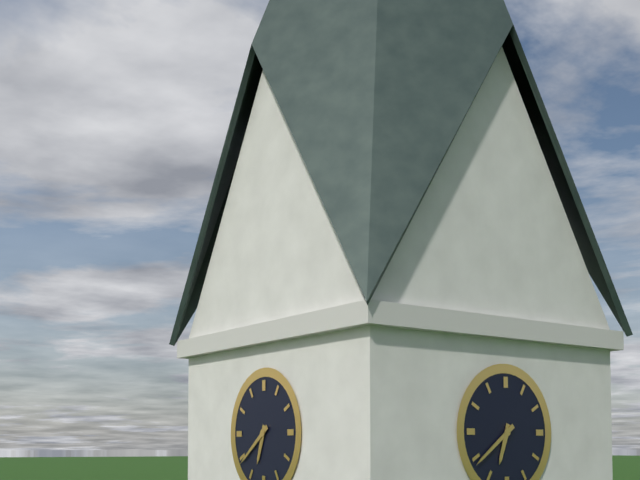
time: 6:39
